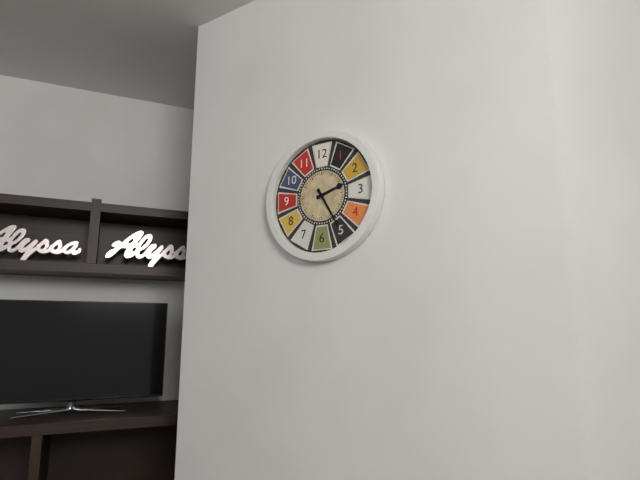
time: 2:25
